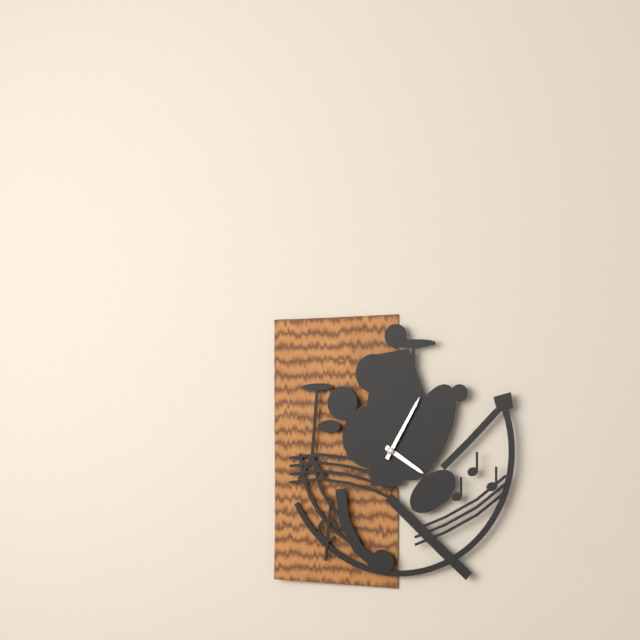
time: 4:05
